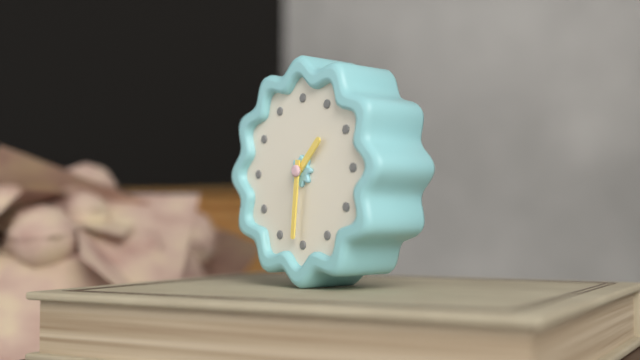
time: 1:31
